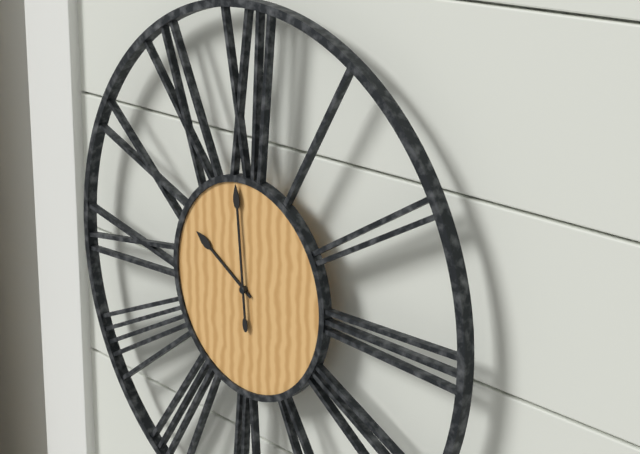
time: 9:59
